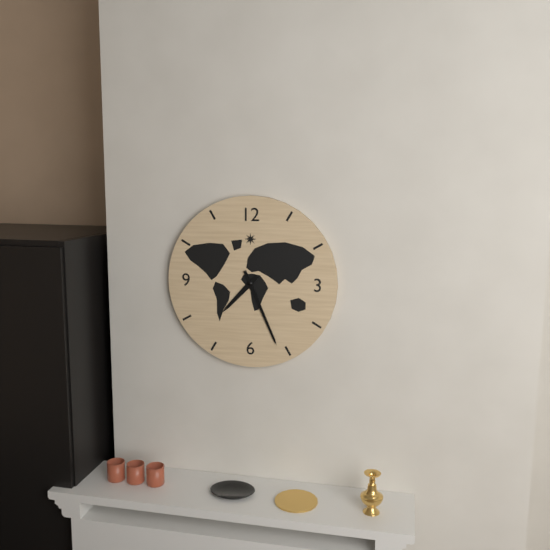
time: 7:26
